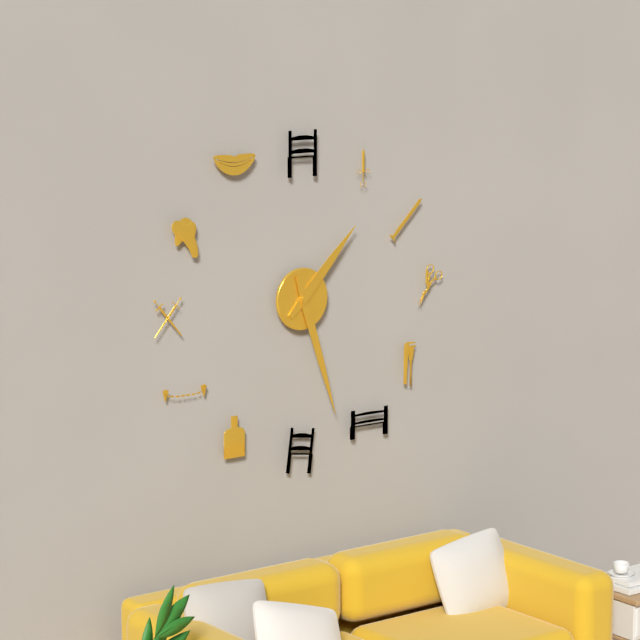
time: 1:27
